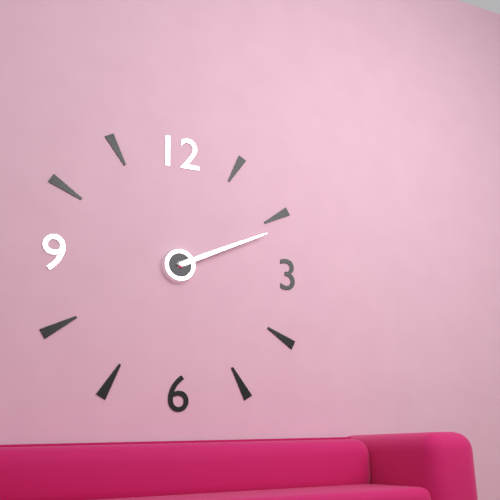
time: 2:11
